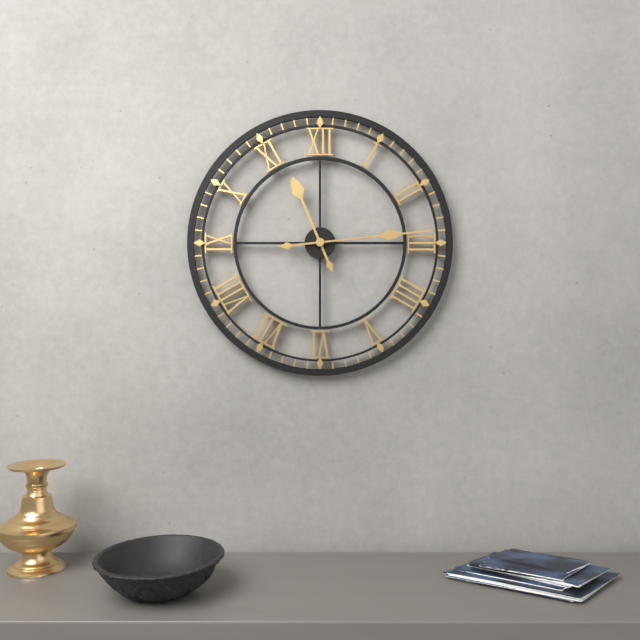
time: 11:14
